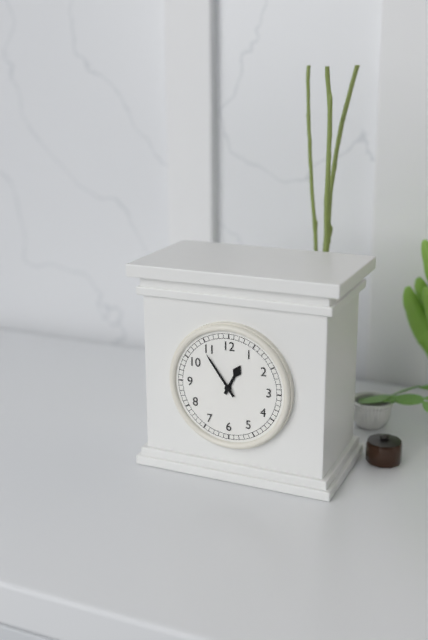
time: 12:54
